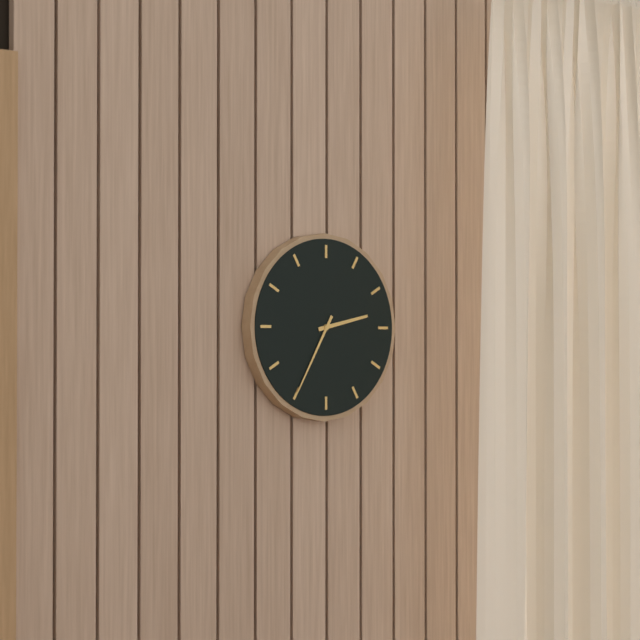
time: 2:35
